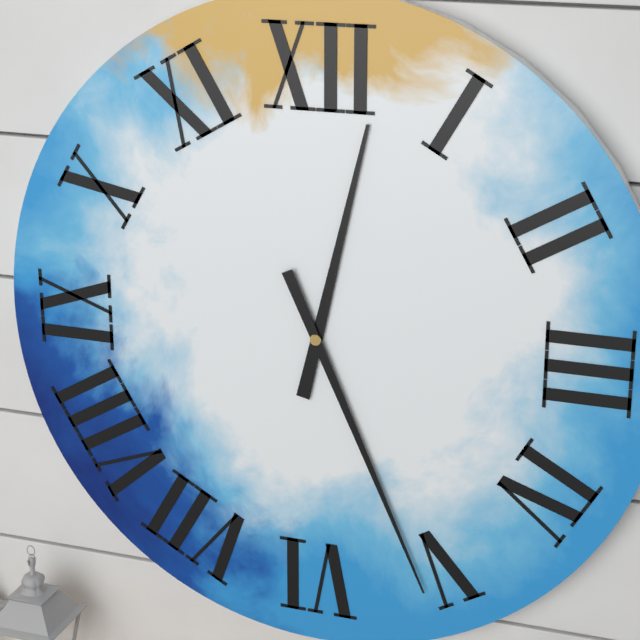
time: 12:26
